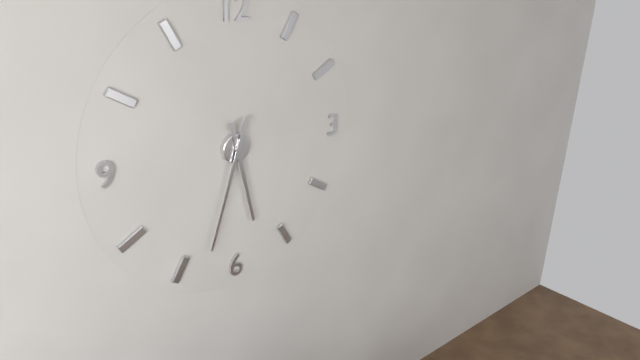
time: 5:33
